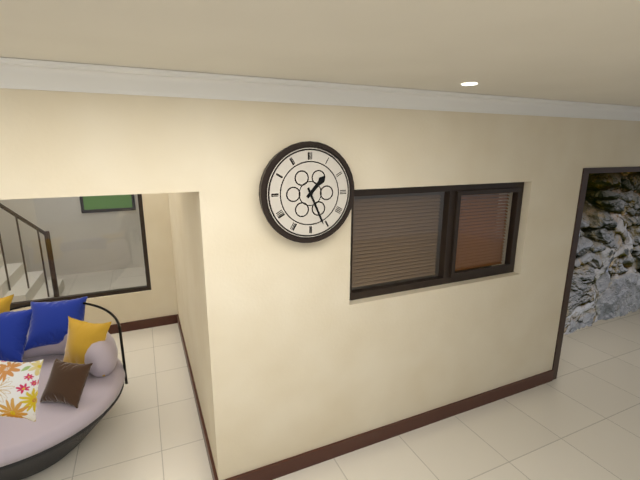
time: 1:26
